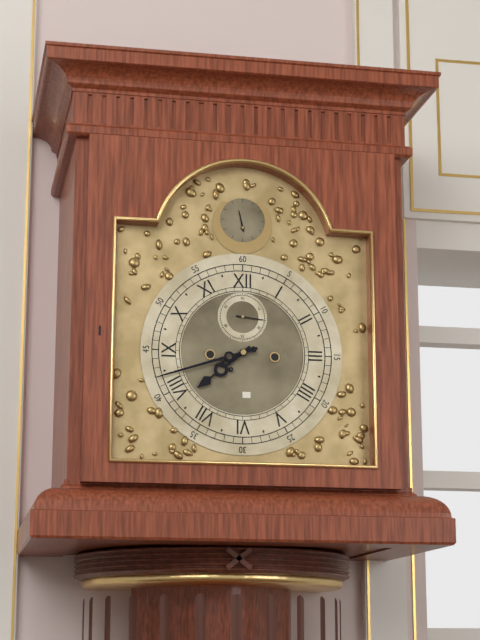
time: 7:42
